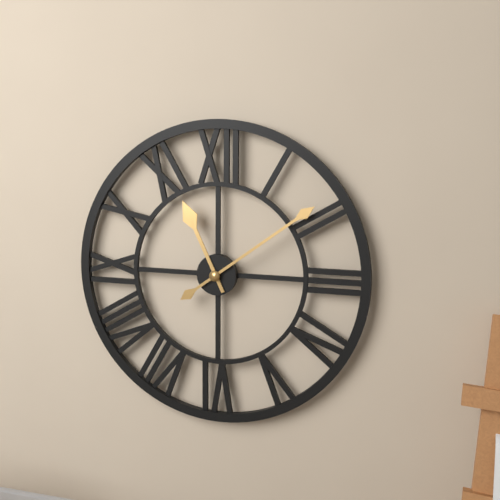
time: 11:09
